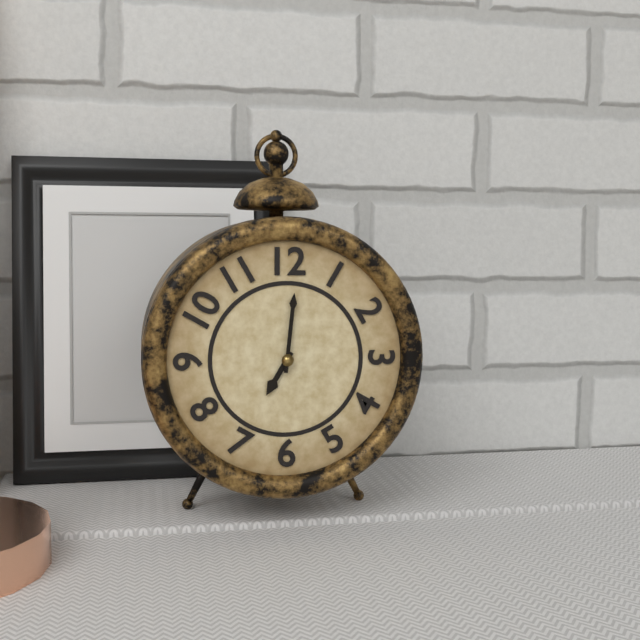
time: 7:01
